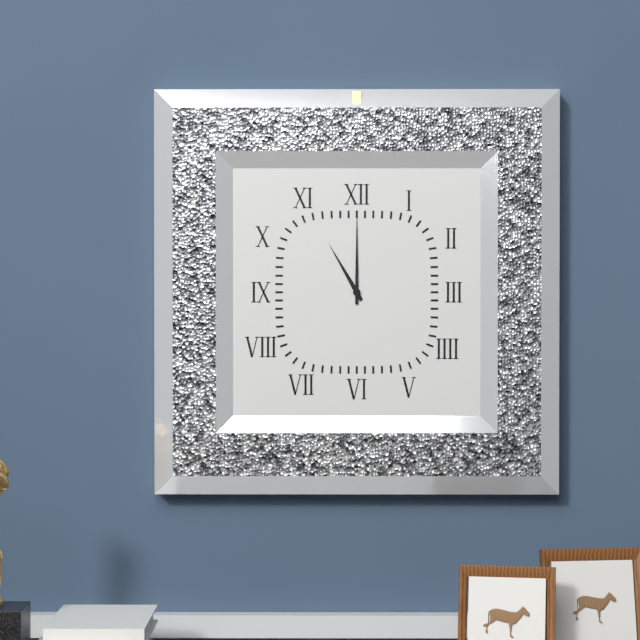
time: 11:00
